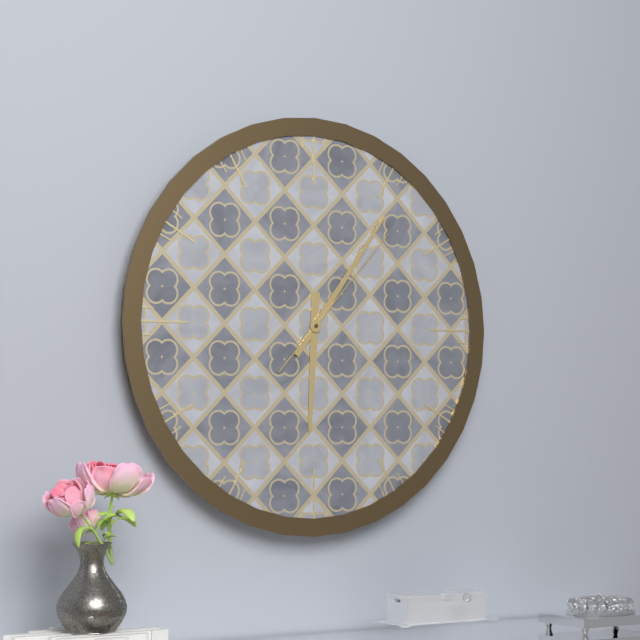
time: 6:06:07
